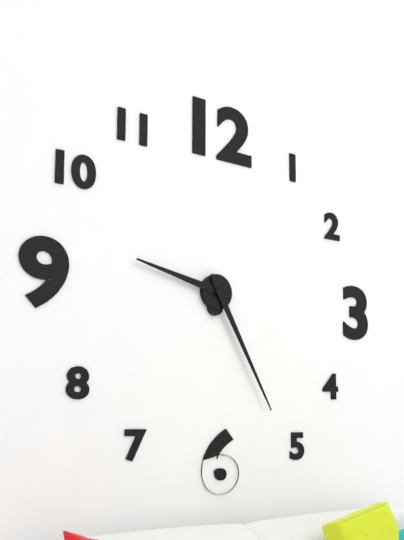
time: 9:25
